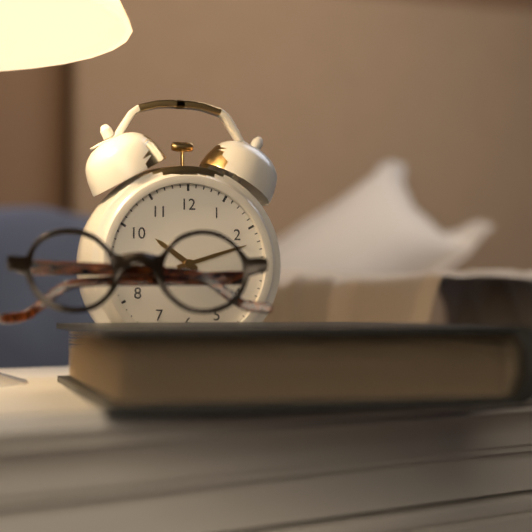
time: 10:12
